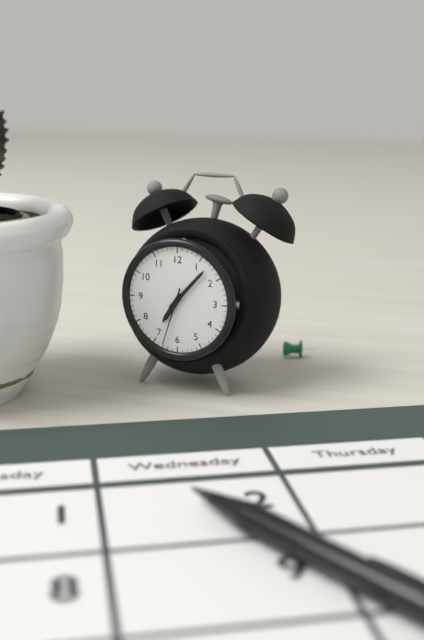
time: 7:07:33
